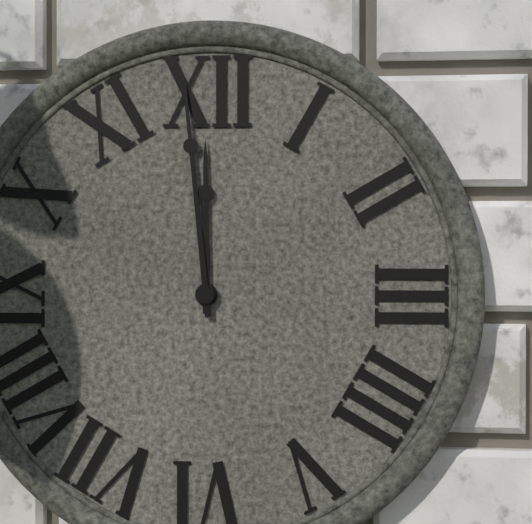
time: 11:59
